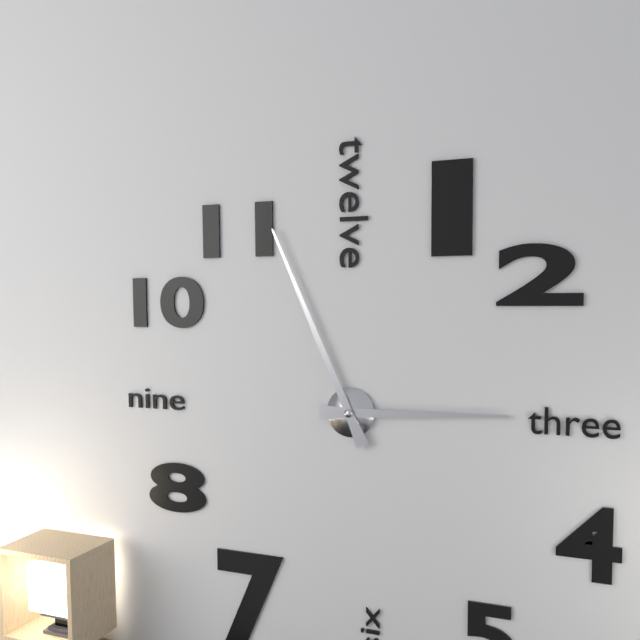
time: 2:56
